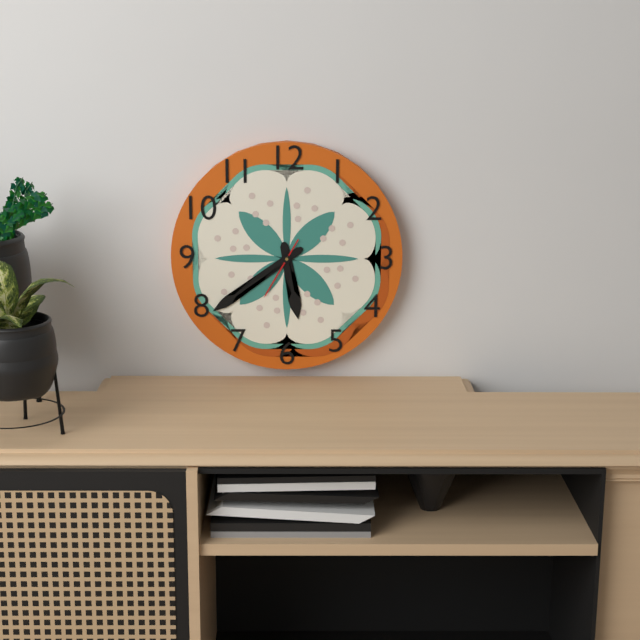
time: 5:39:35
